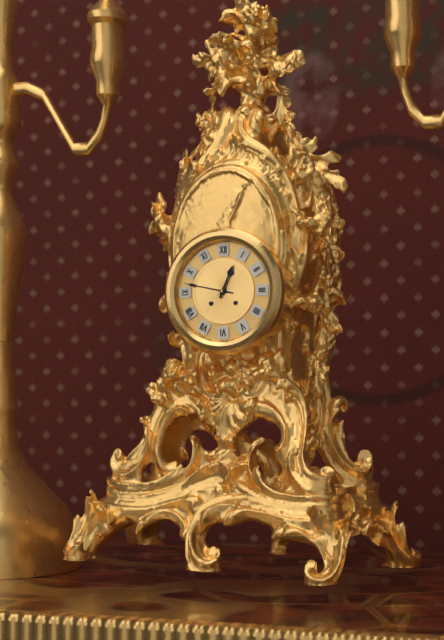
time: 12:47
